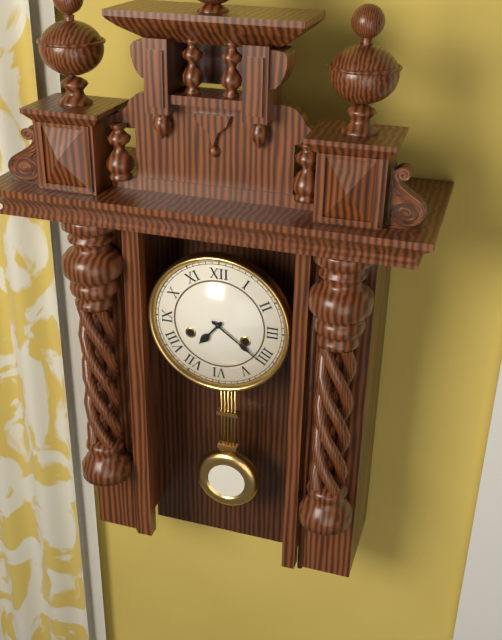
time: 7:21
